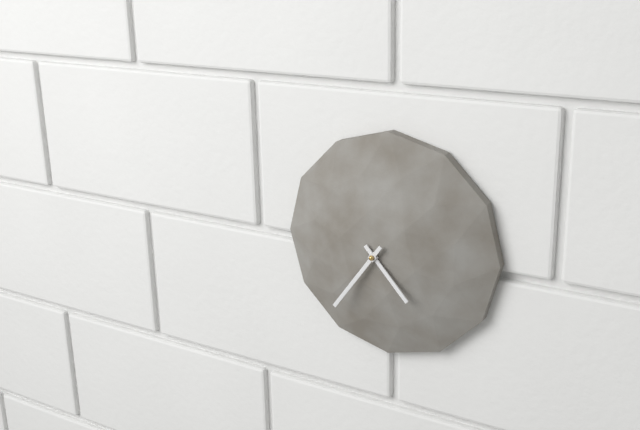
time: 4:36
